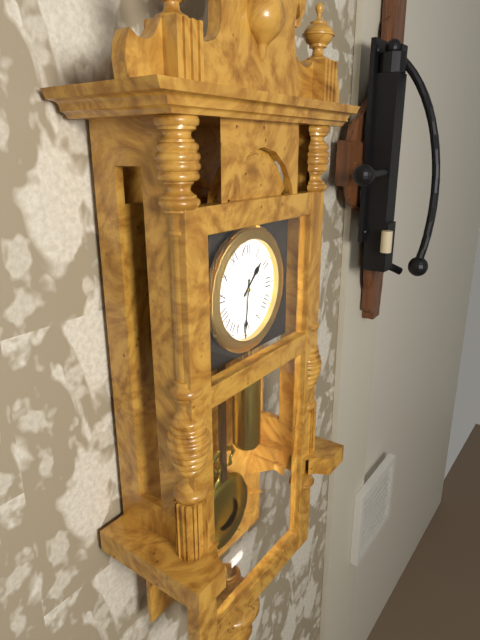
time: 1:31
